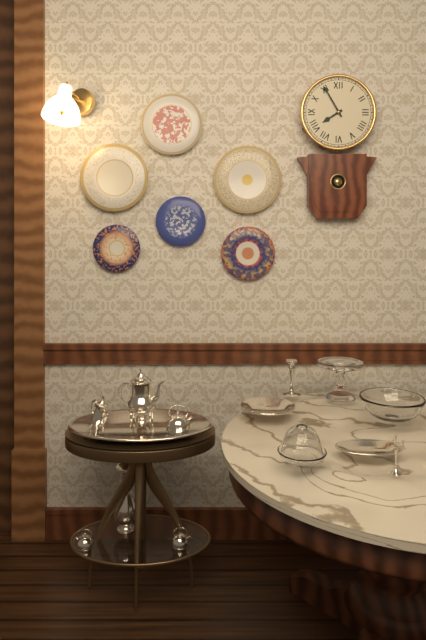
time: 7:55
